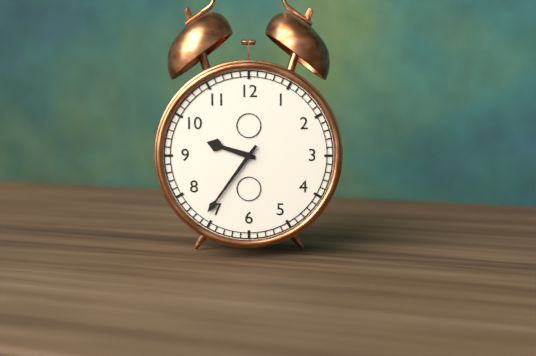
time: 9:36
